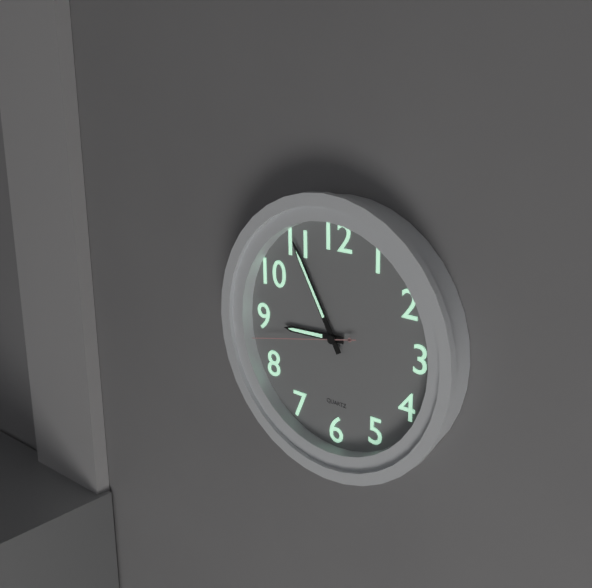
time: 8:55:43
